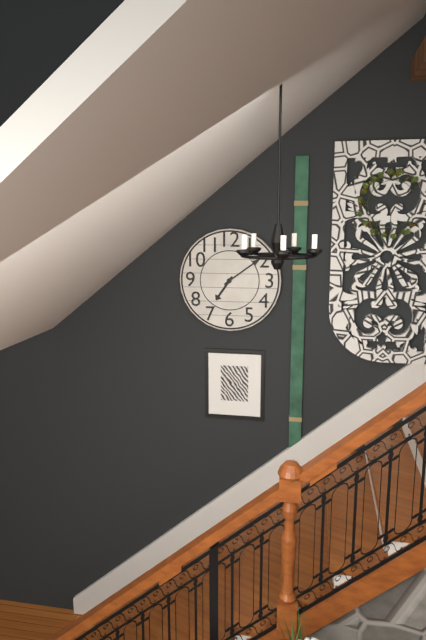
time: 7:09
